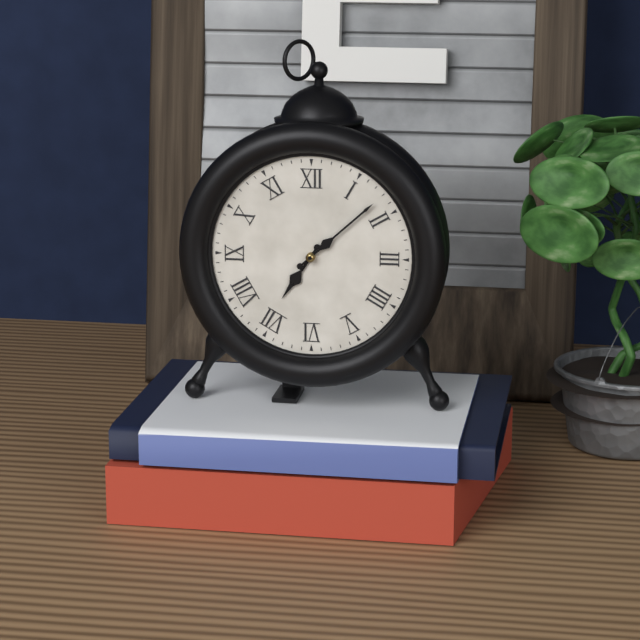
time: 7:08
